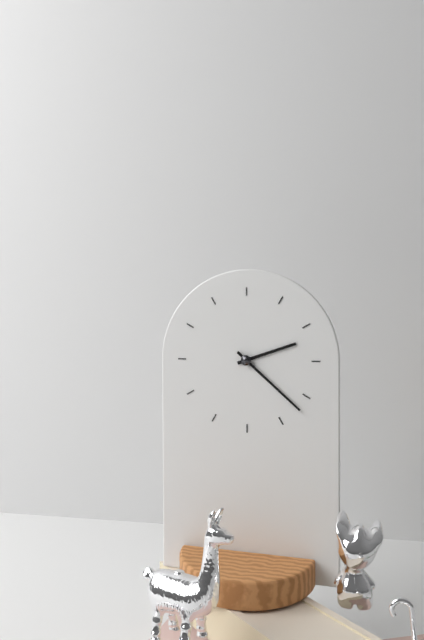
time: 2:22
